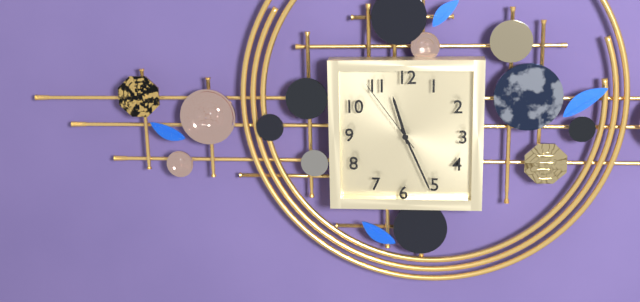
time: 11:26:54
